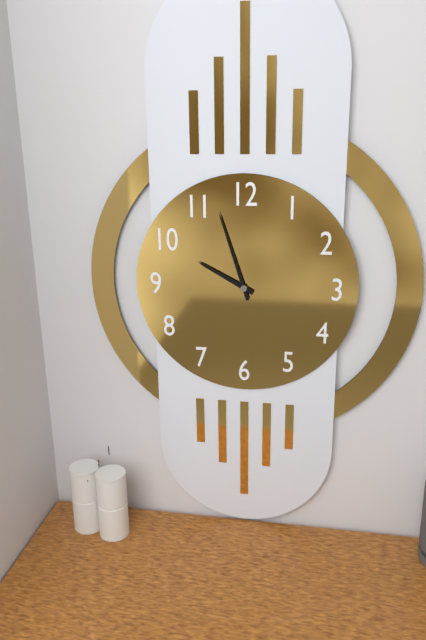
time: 9:57
